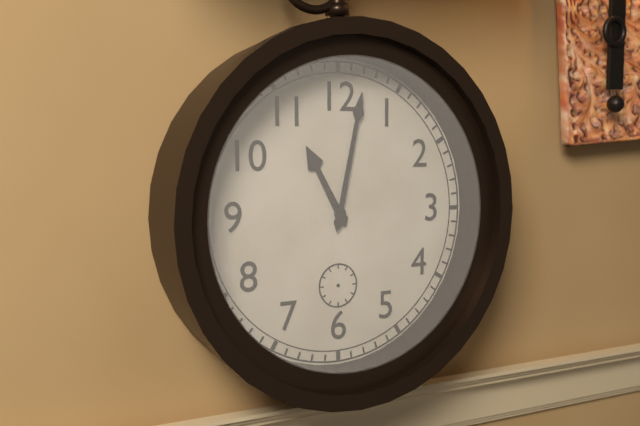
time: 11:02
